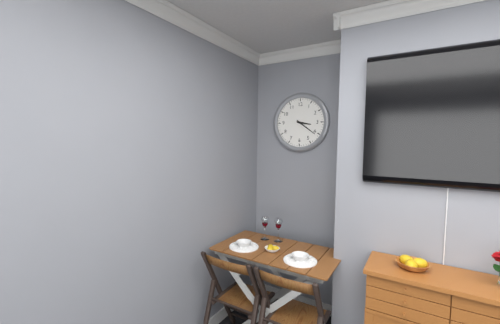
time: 3:21
